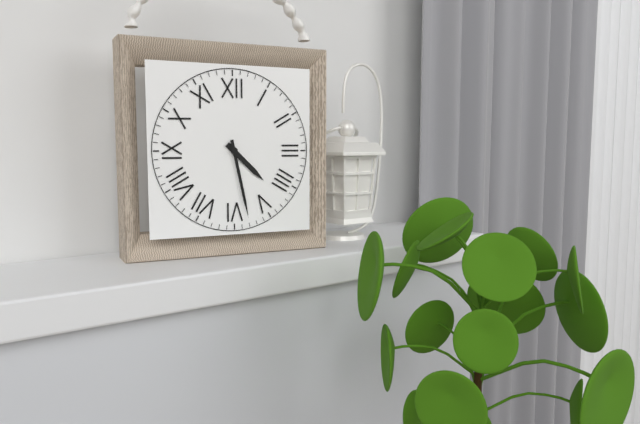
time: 4:28
